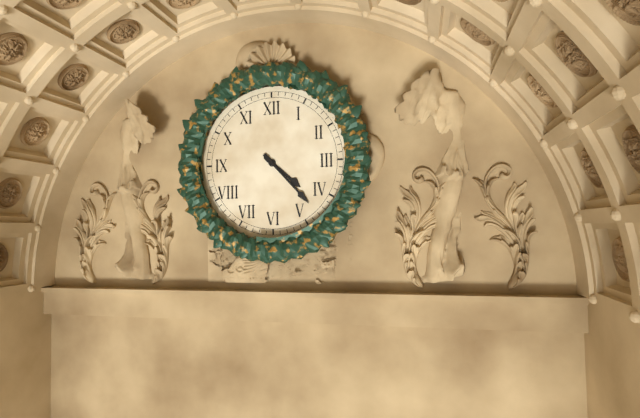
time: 4:23
